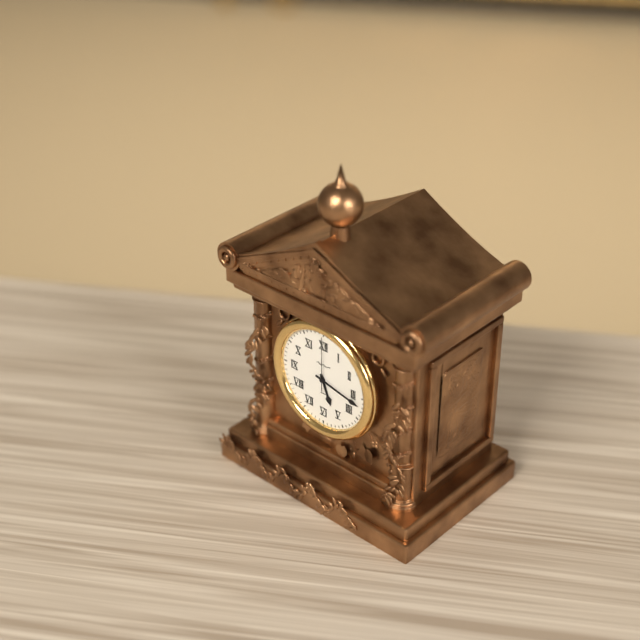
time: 5:17:00
